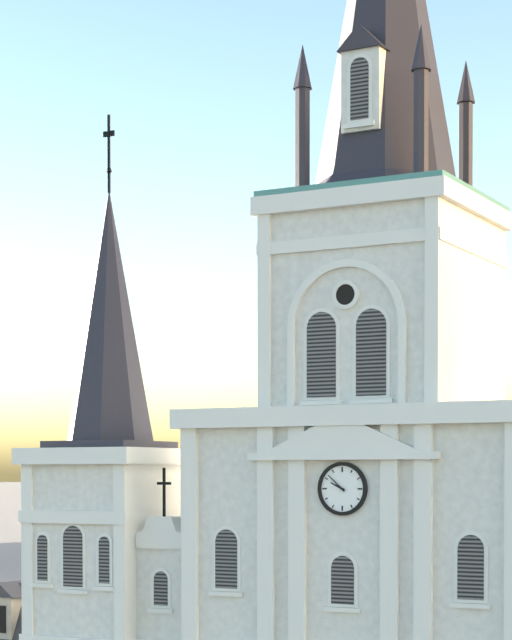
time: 9:52
